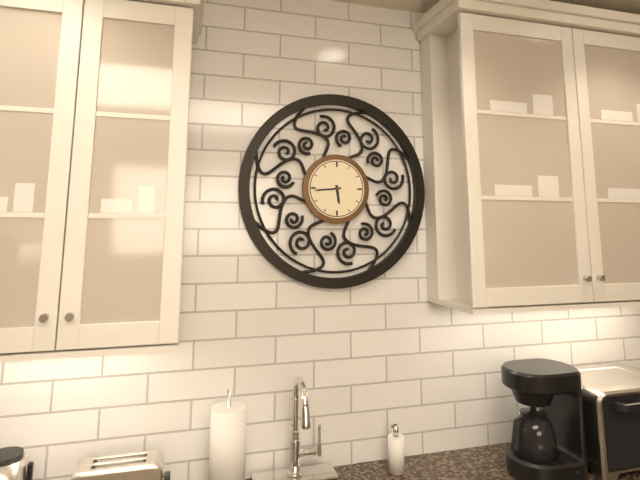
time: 5:44
